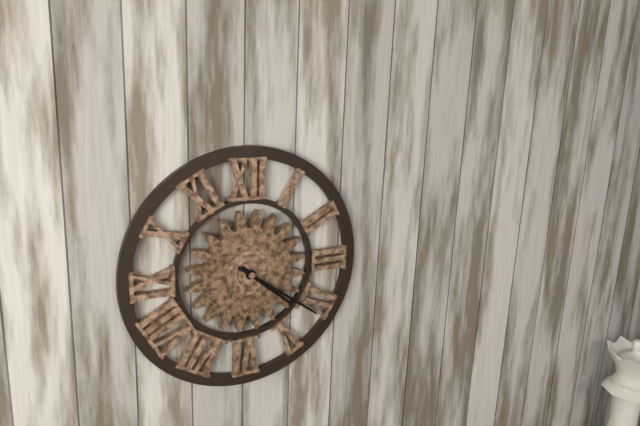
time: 4:21
